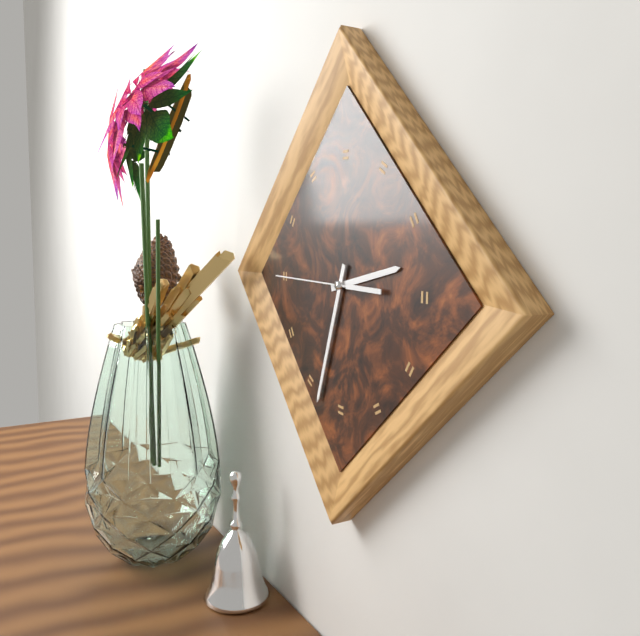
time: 2:33:45
